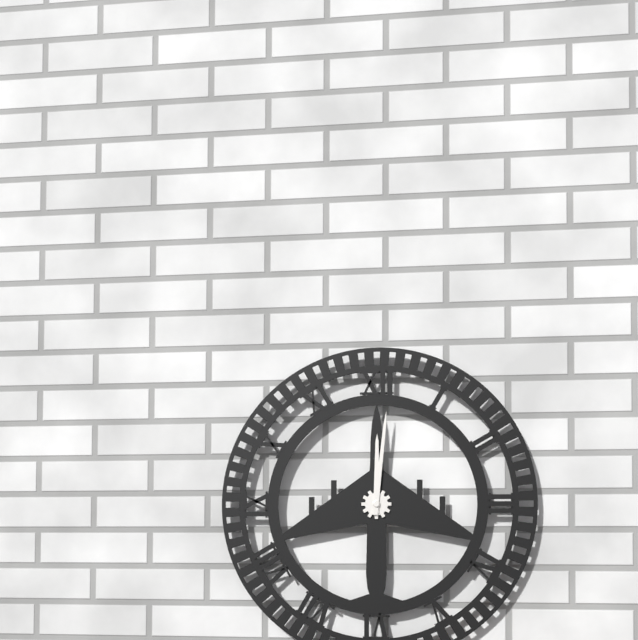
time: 12:01
